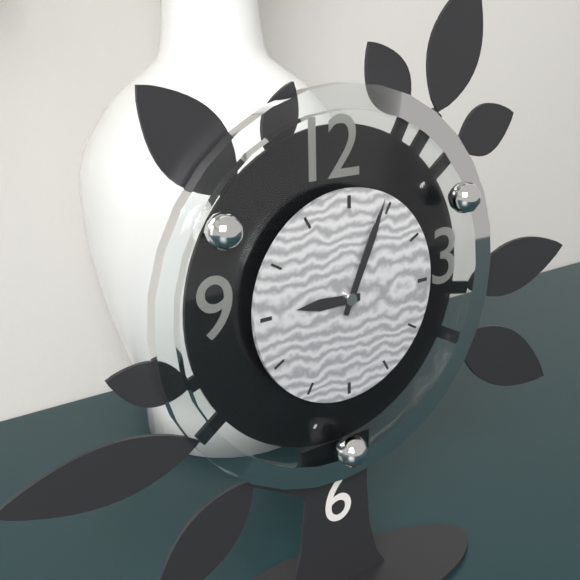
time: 9:04
